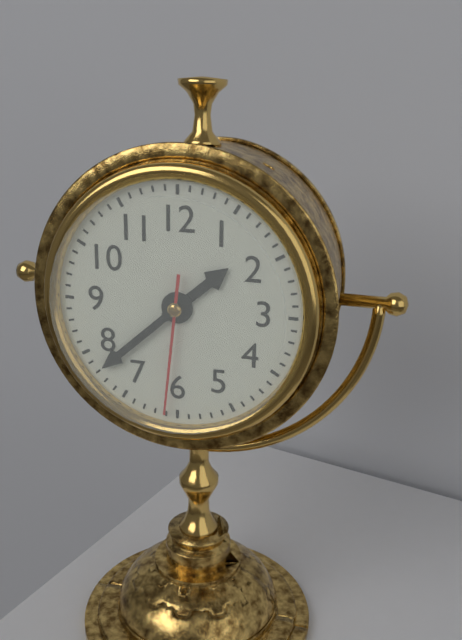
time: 1:38:31
